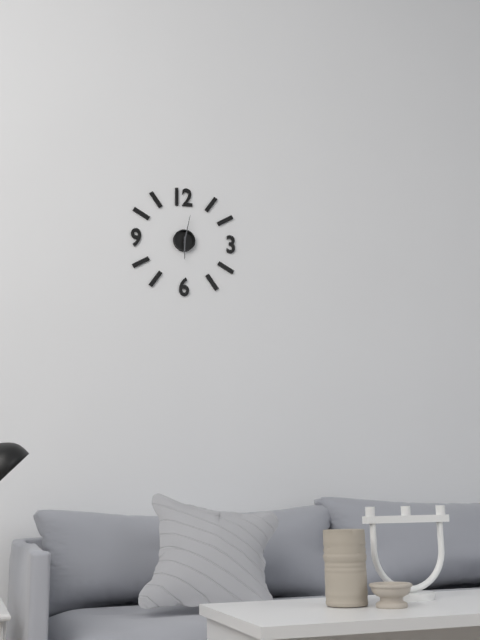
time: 6:02
